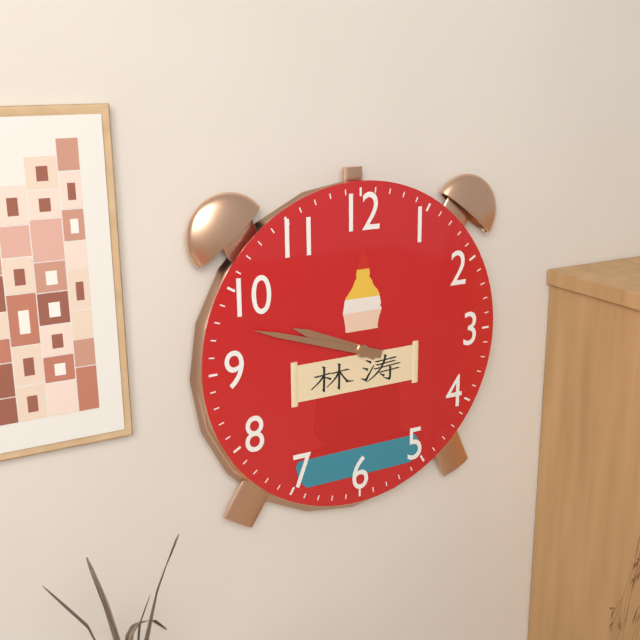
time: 9:48
